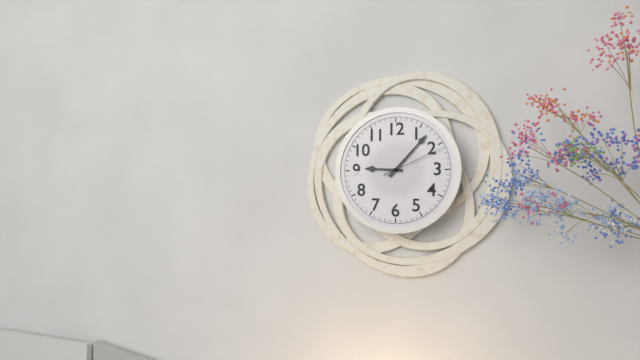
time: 9:07:11
